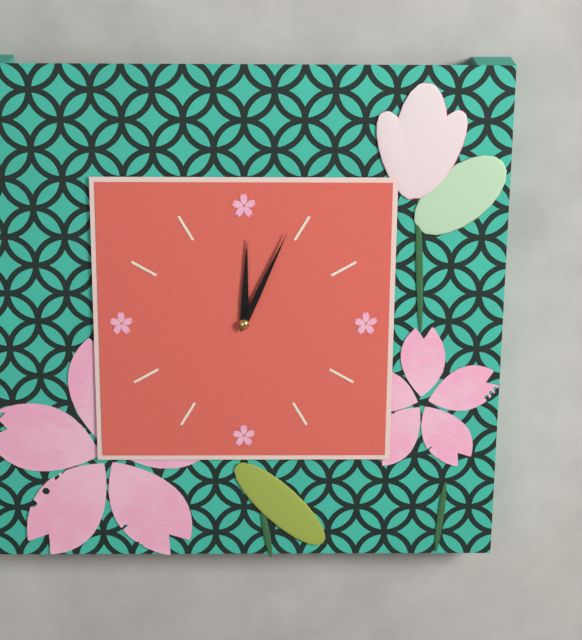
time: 12:04
